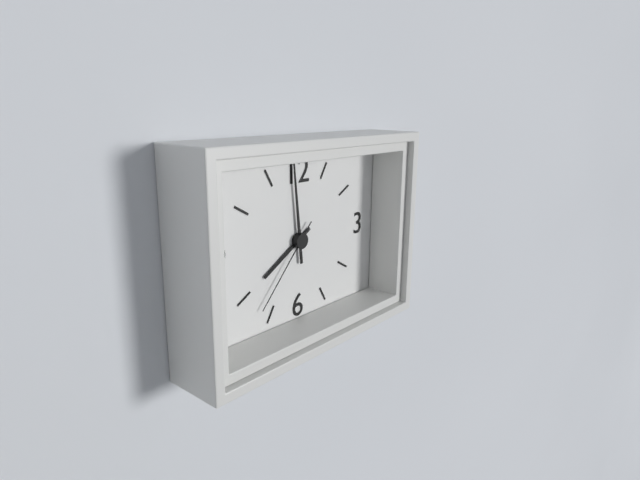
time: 7:59:37
